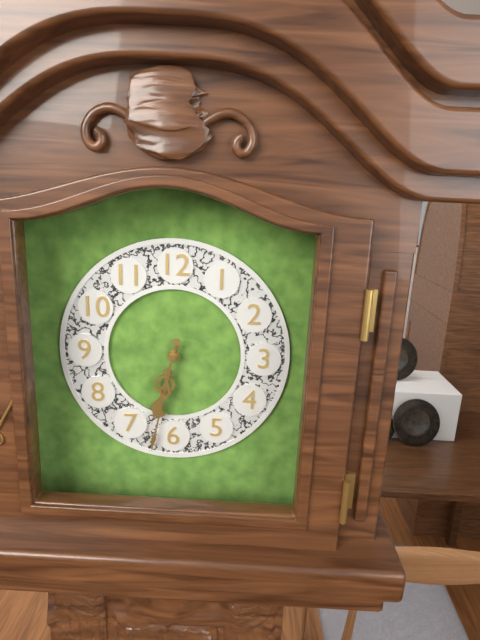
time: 6:32
